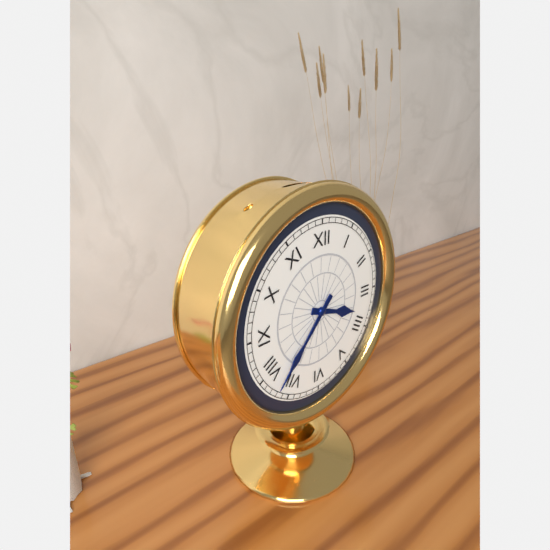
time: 3:37
